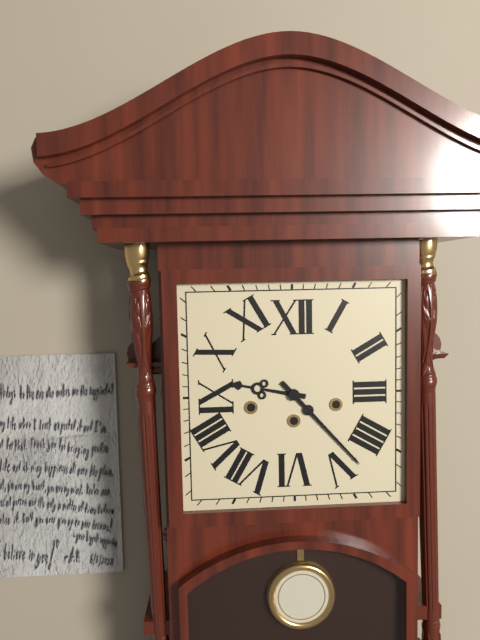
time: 9:23
